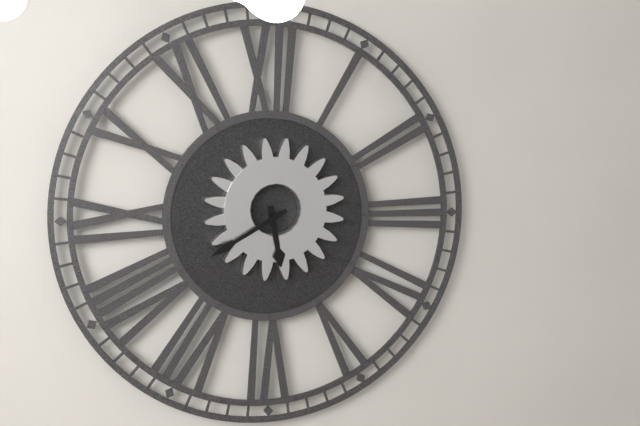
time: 5:40
